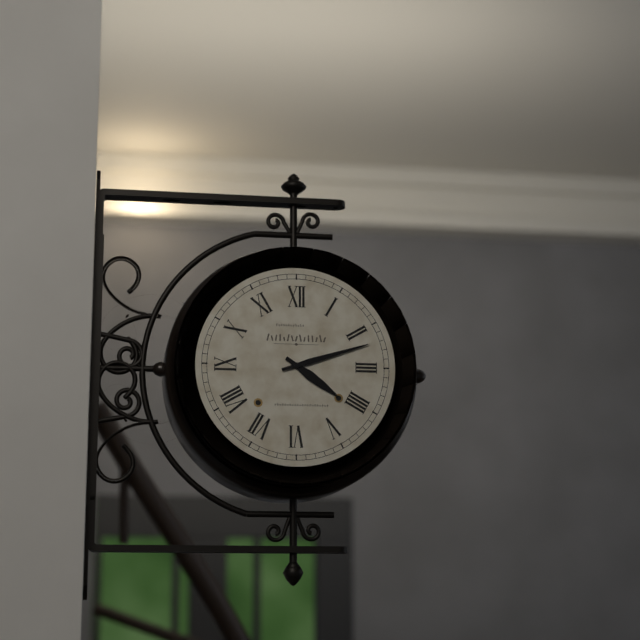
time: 4:12
